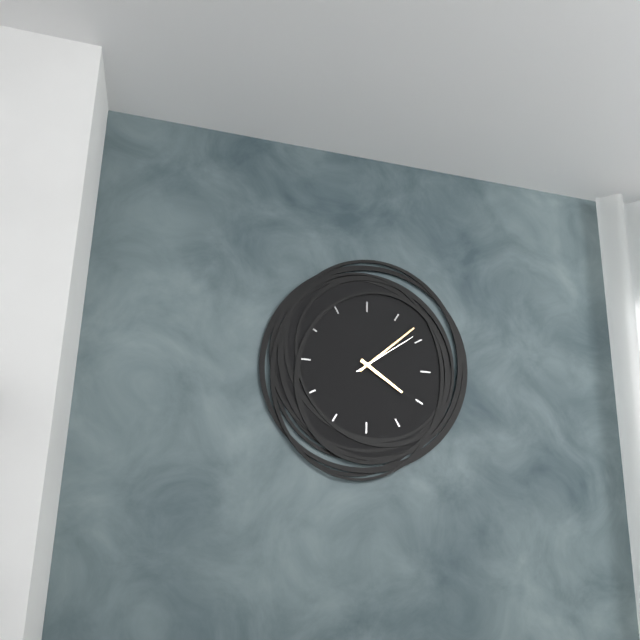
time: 4:08:09
